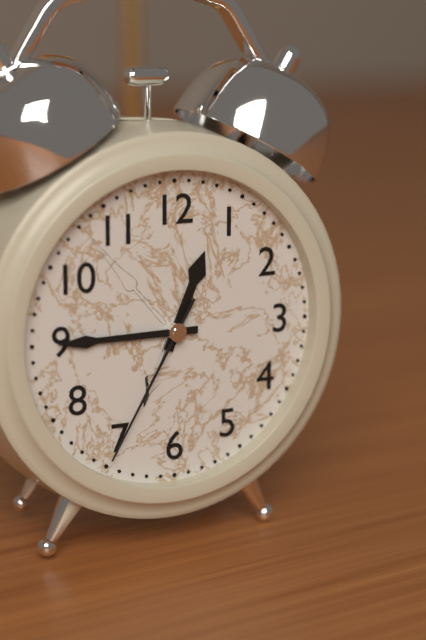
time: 12:45:35
